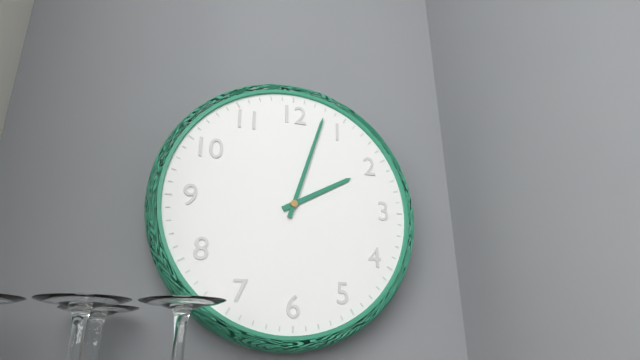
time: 2:03
